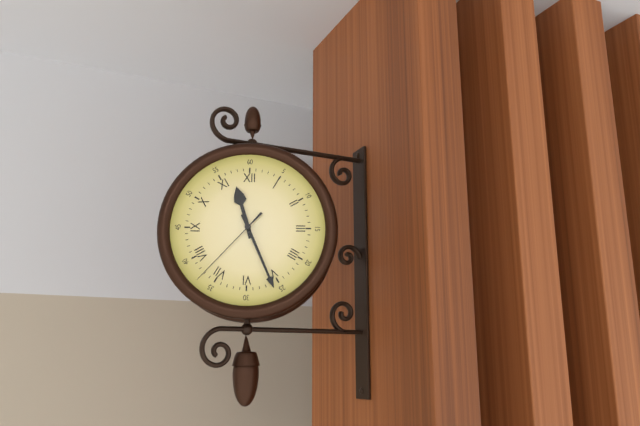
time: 11:26:37
